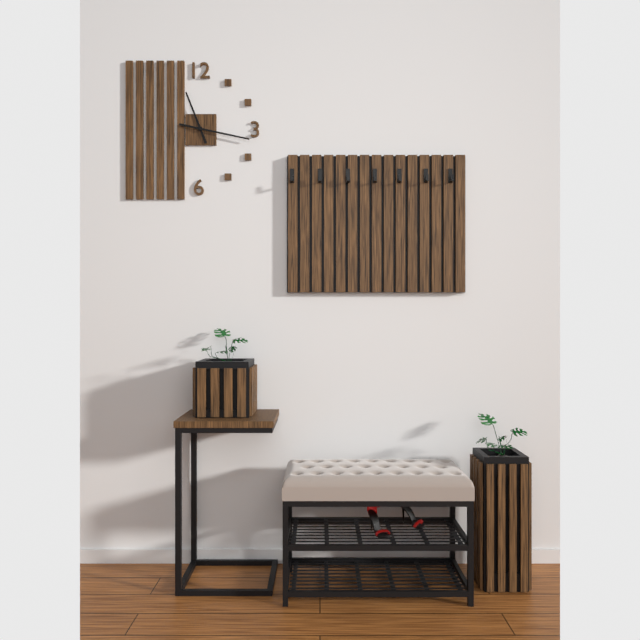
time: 11:17
